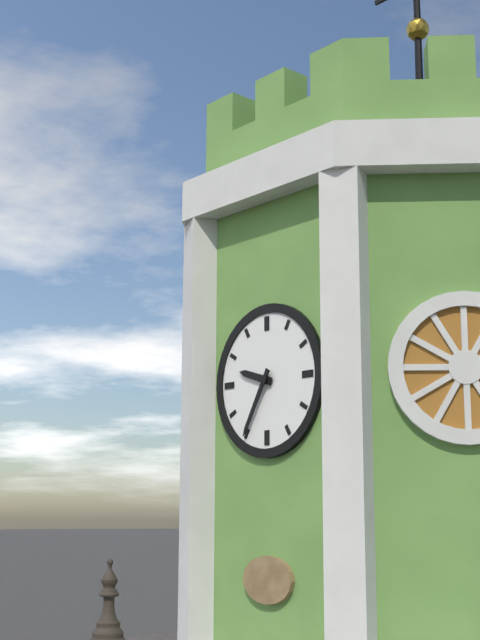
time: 9:35
